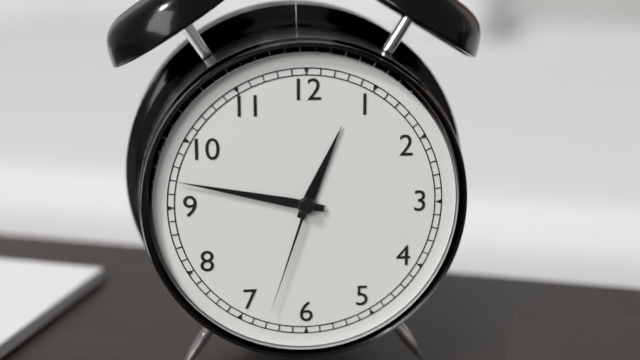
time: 12:47:33
